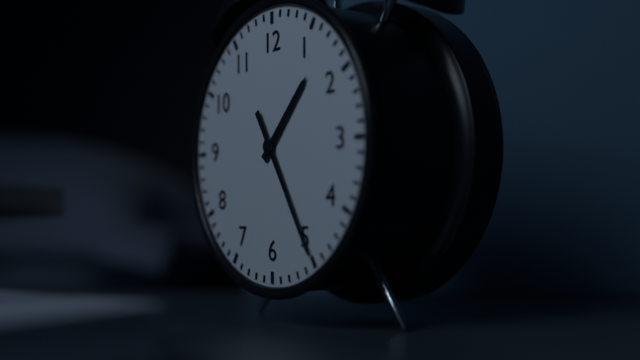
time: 1:25
